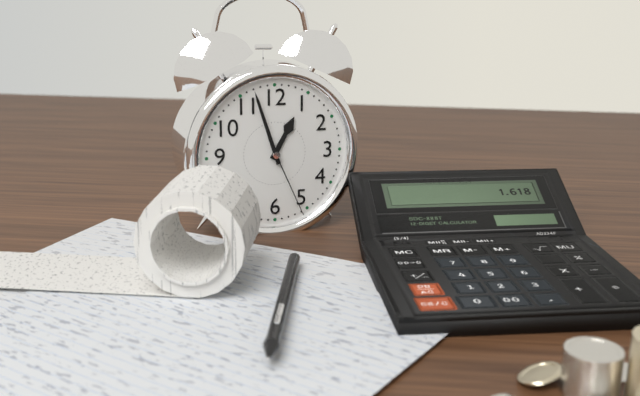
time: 12:57:26
